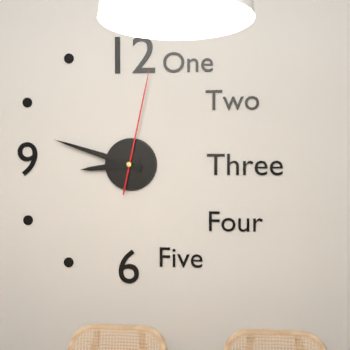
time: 8:48:02
